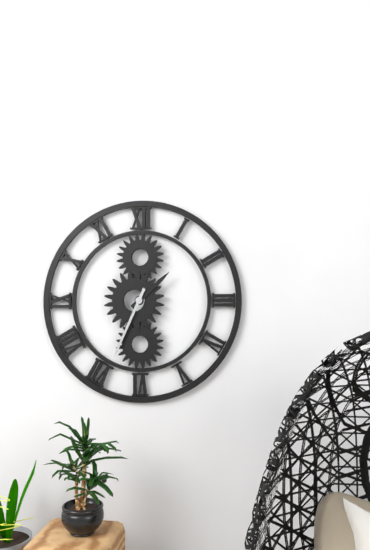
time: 1:34
